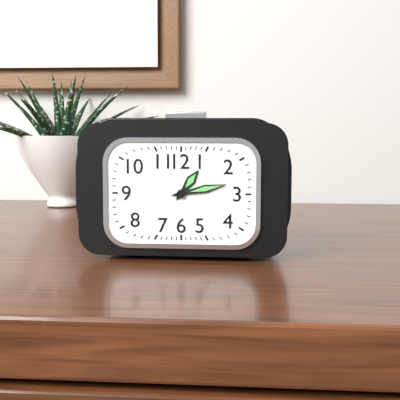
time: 1:13
